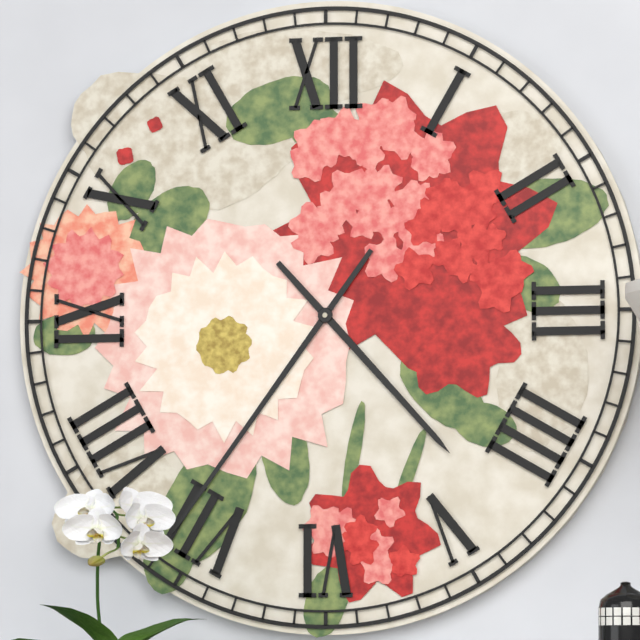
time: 4:36
